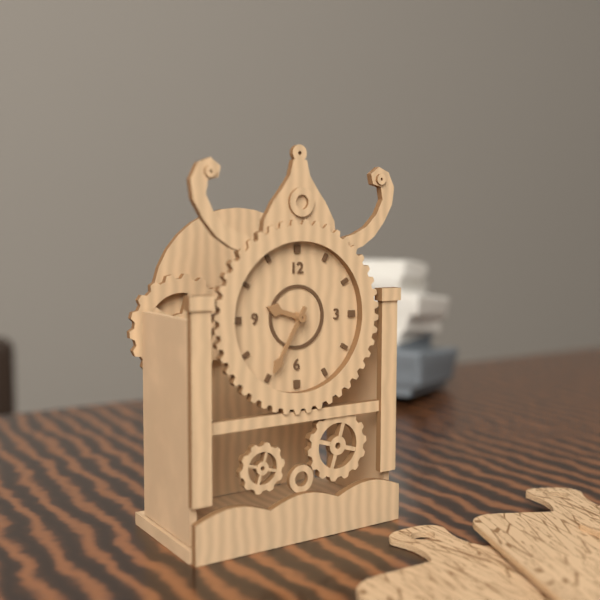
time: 9:35
